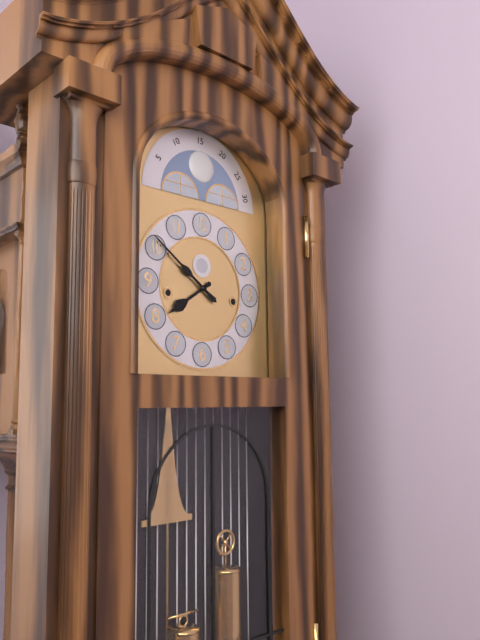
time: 7:51
